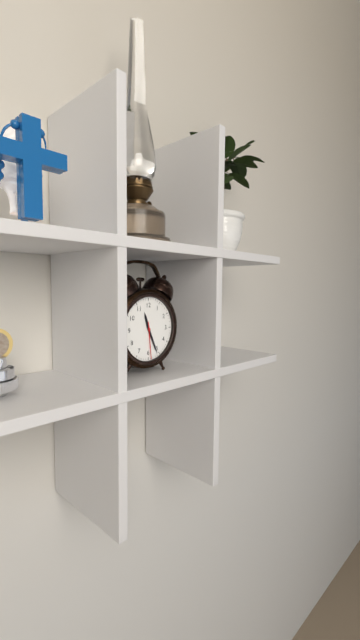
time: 11:26
